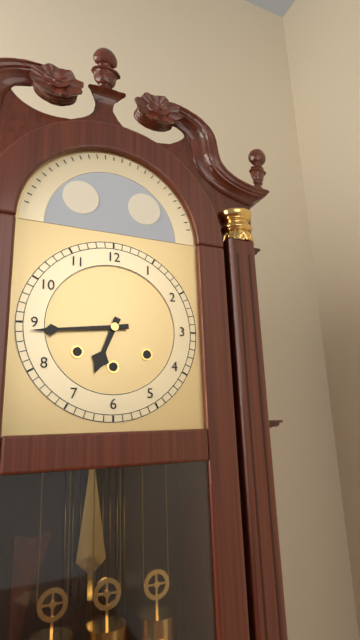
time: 6:44
